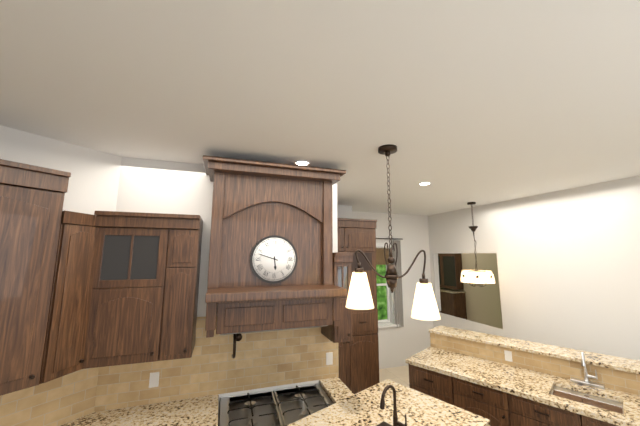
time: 5:48
